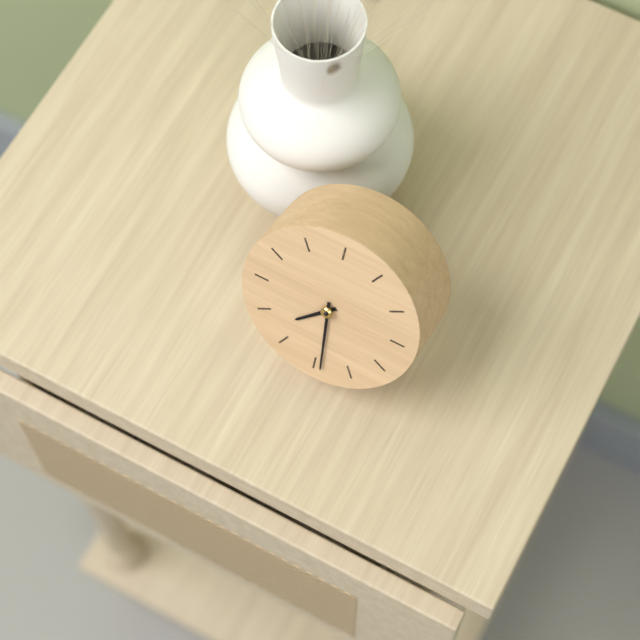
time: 7:29
